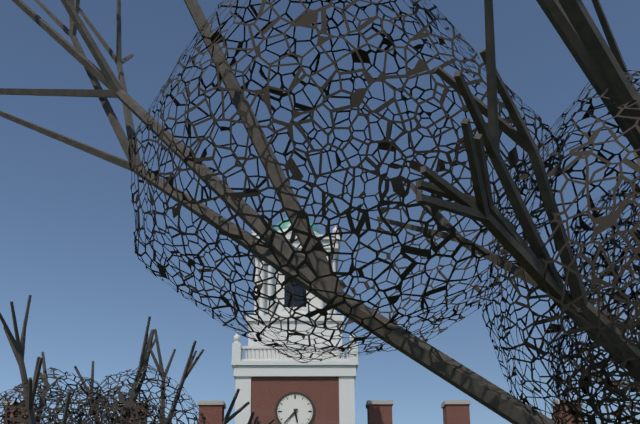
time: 5:37
